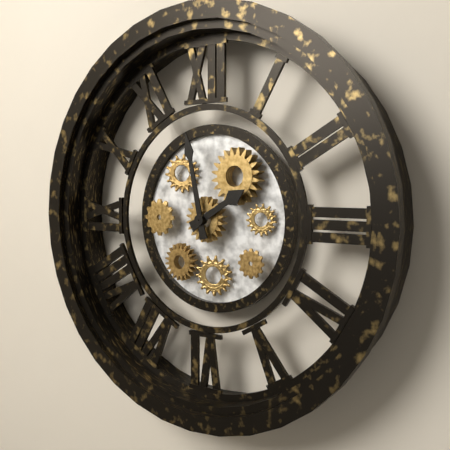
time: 1:58
